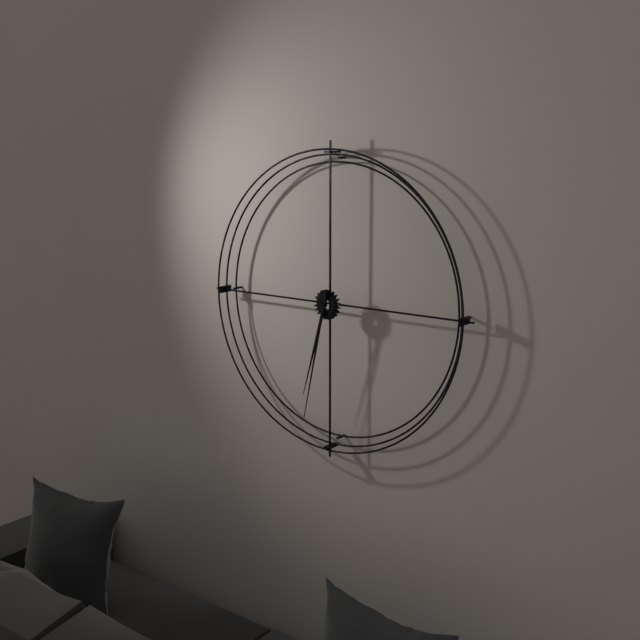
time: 6:32
